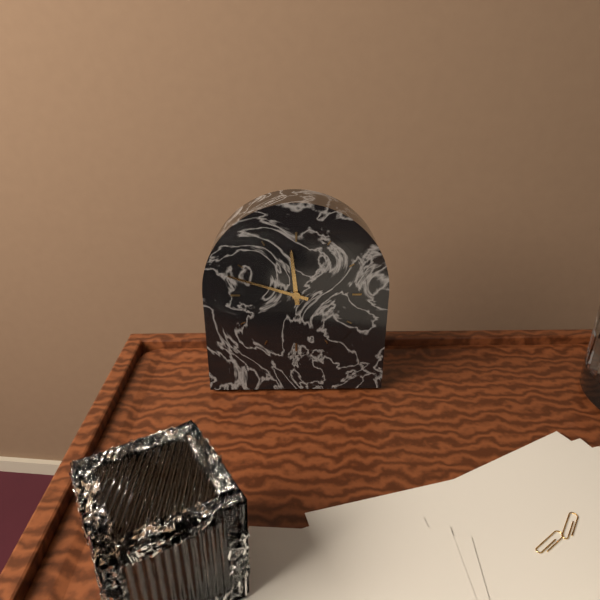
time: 11:48
